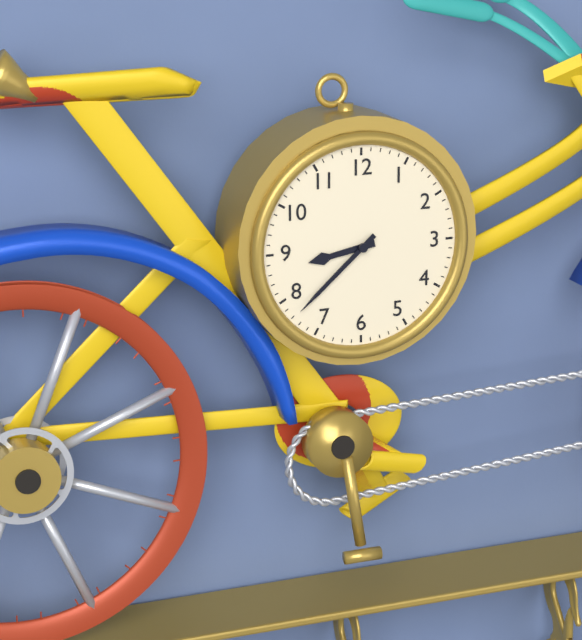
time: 8:38
